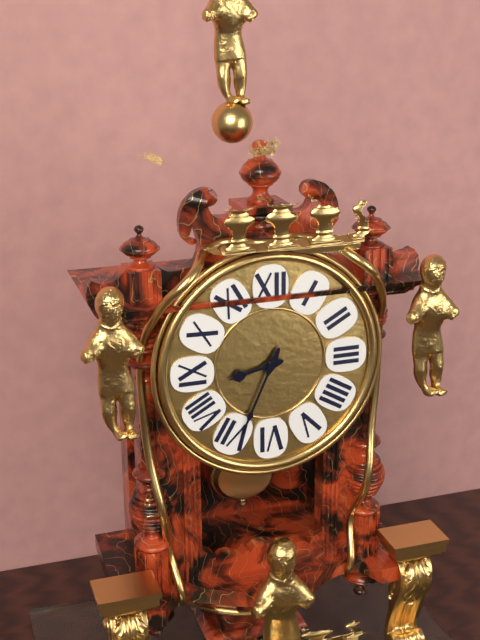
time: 8:34
